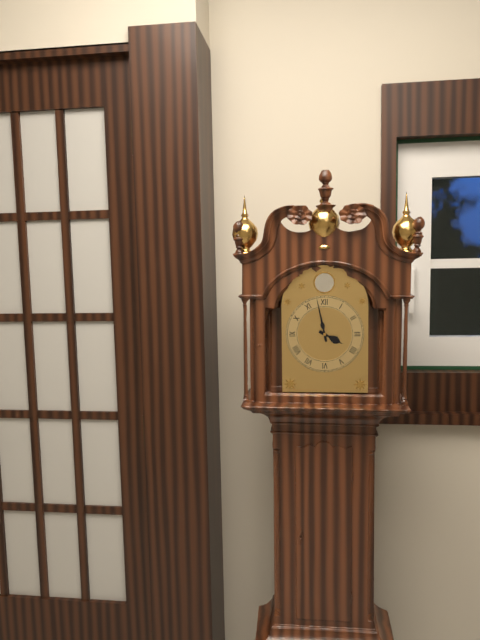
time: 3:58
